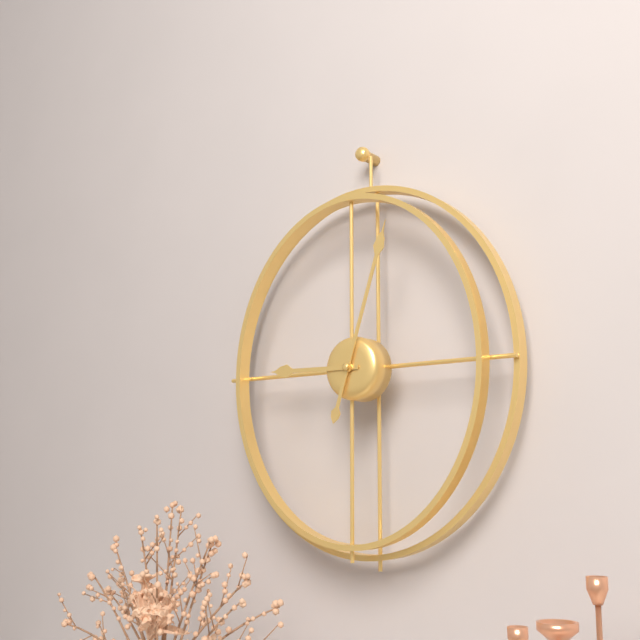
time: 9:03
